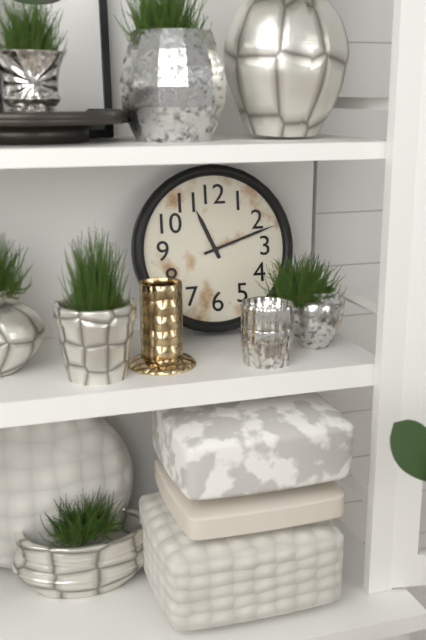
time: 11:12
